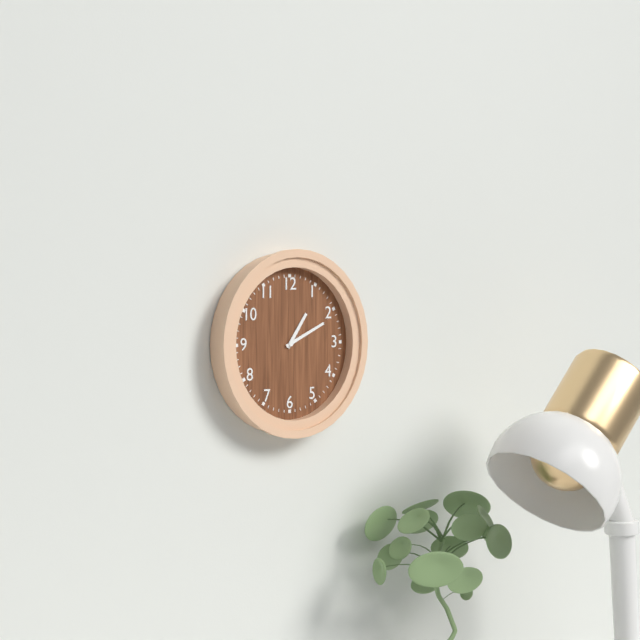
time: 1:11
